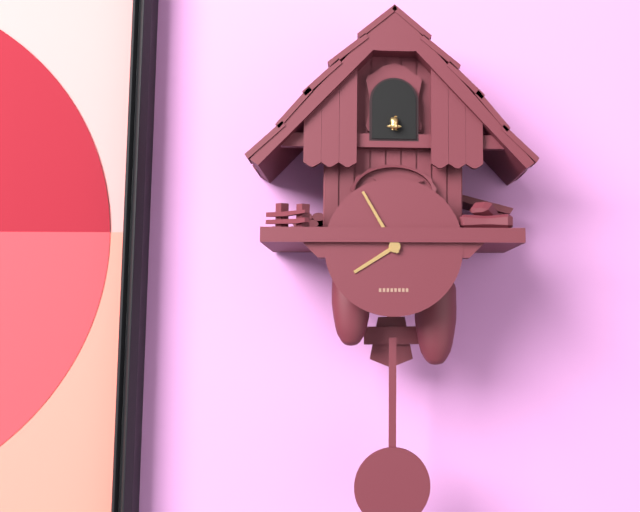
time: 7:55
